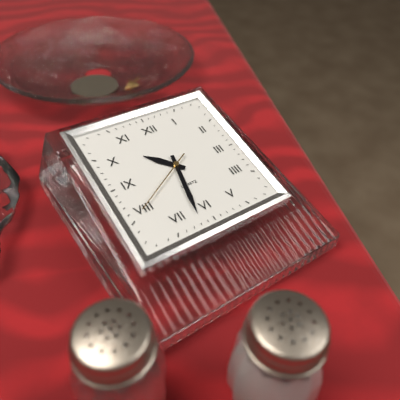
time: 10:32:40
